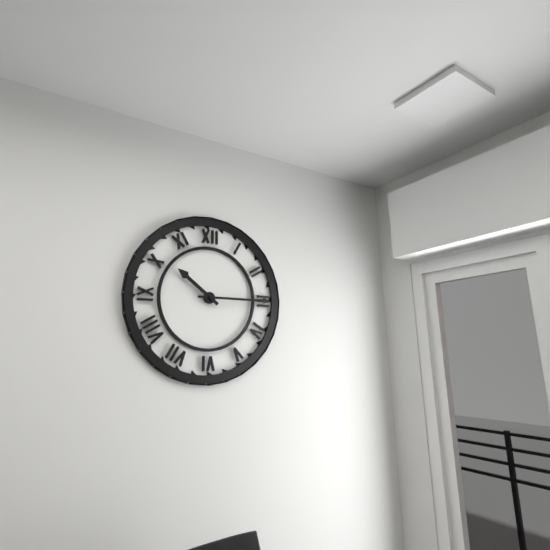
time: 10:15
